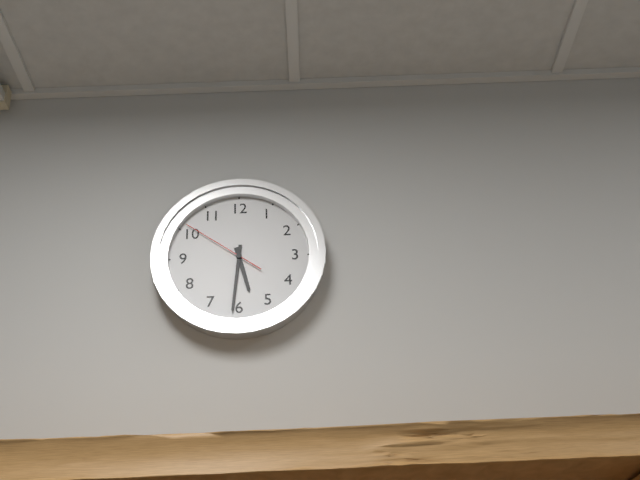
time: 5:31:51
